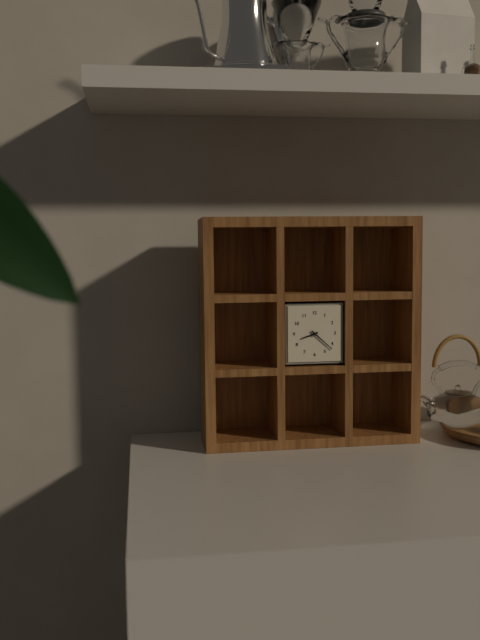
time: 8:22
